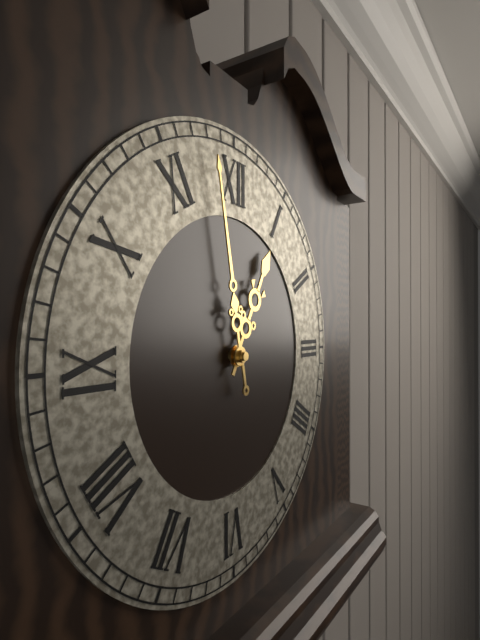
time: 12:58
